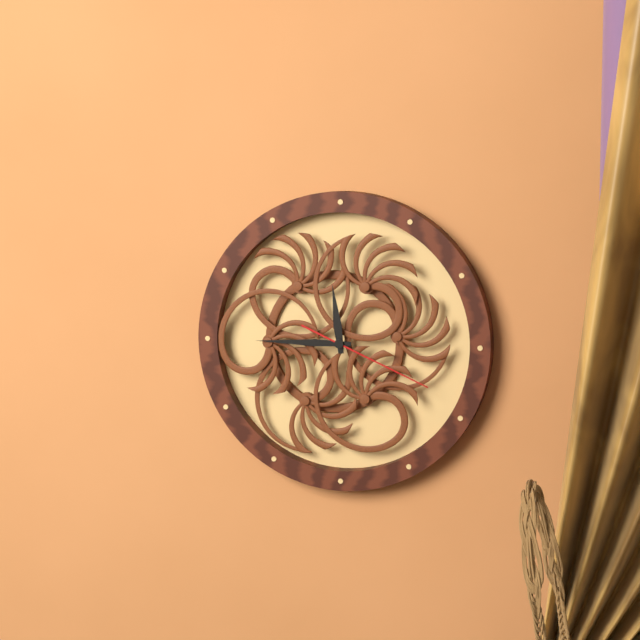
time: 11:45:19
